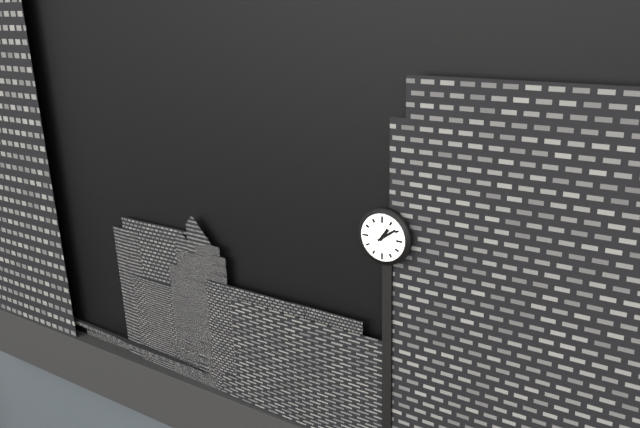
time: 1:09
